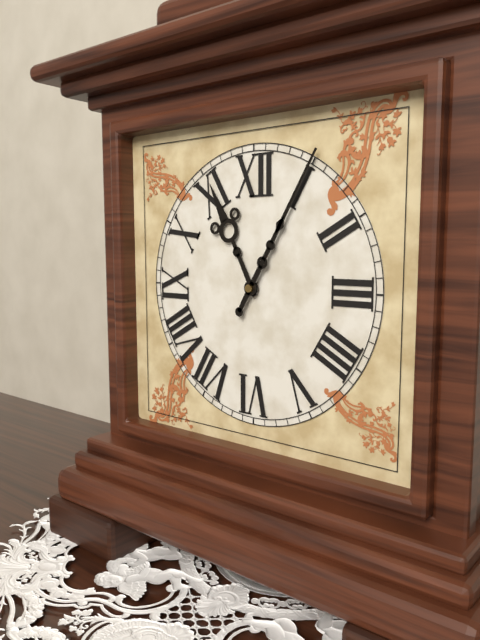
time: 11:05
